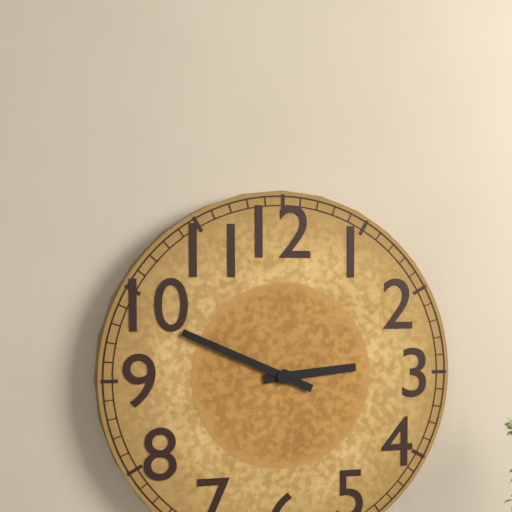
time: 2:49
